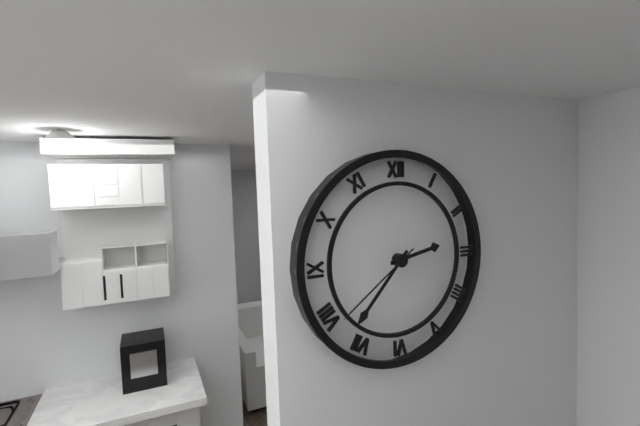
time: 2:37:39
